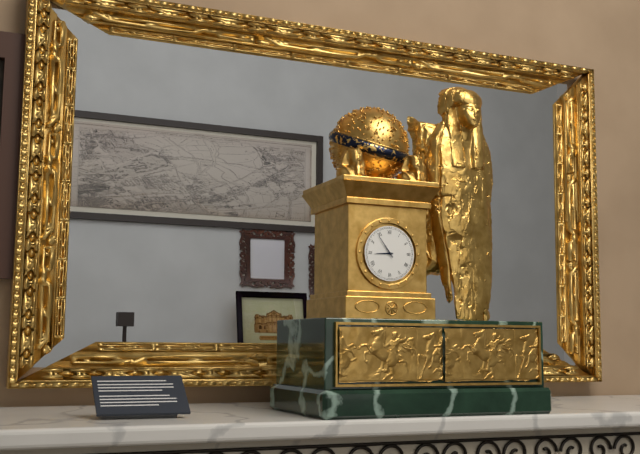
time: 8:54
